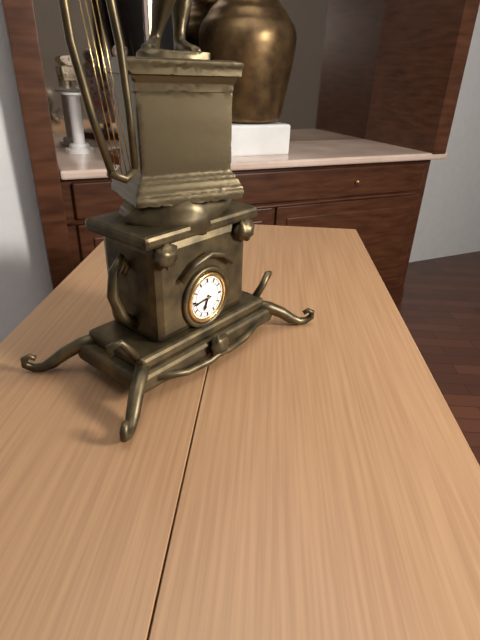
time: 6:44
